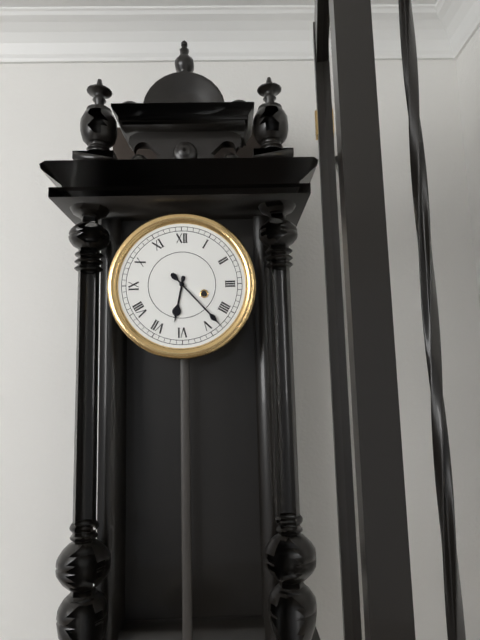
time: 6:23
